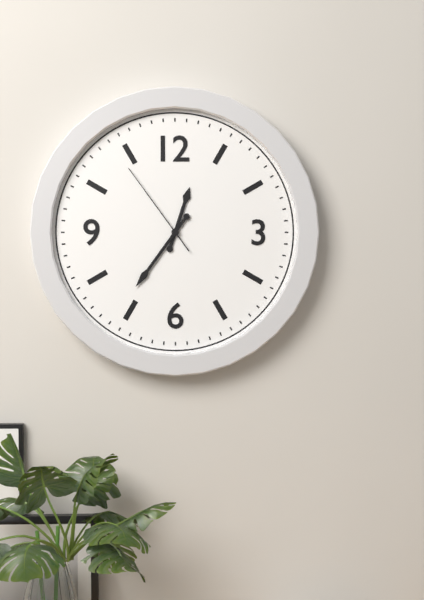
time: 12:36:54
